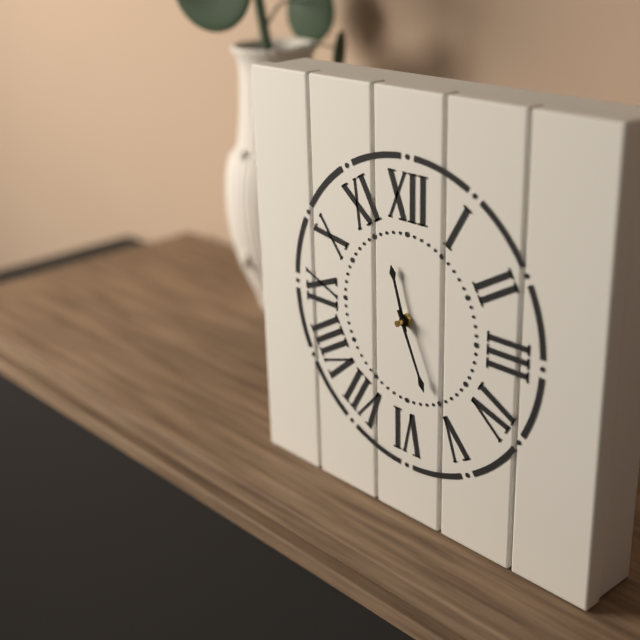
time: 11:26
